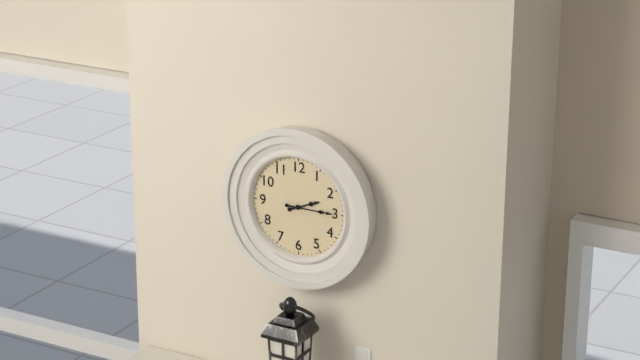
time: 2:15
